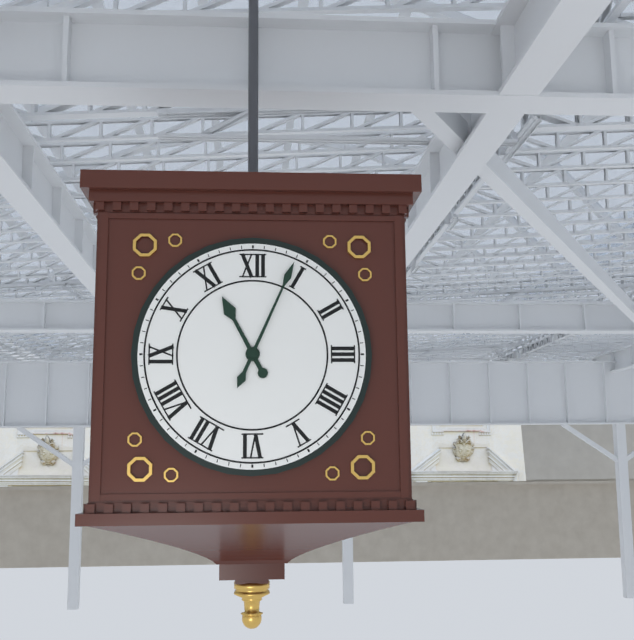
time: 11:04
